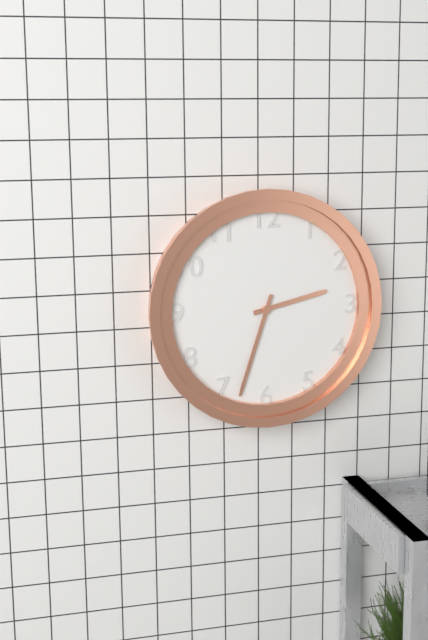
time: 2:33
